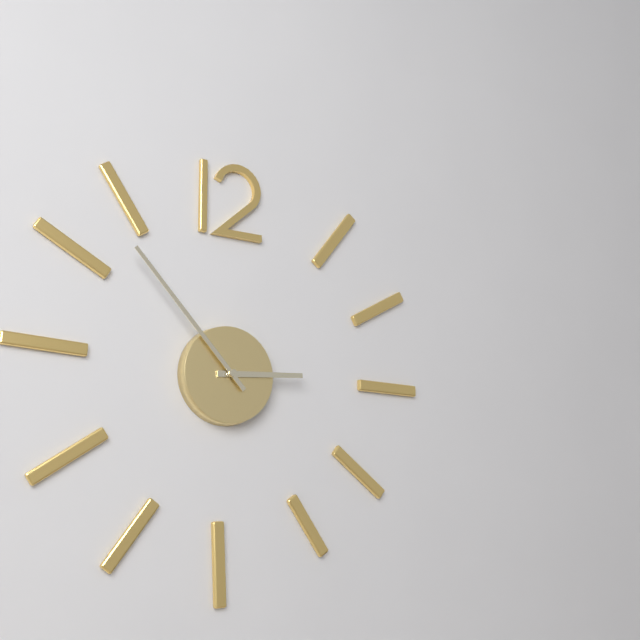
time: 2:53
